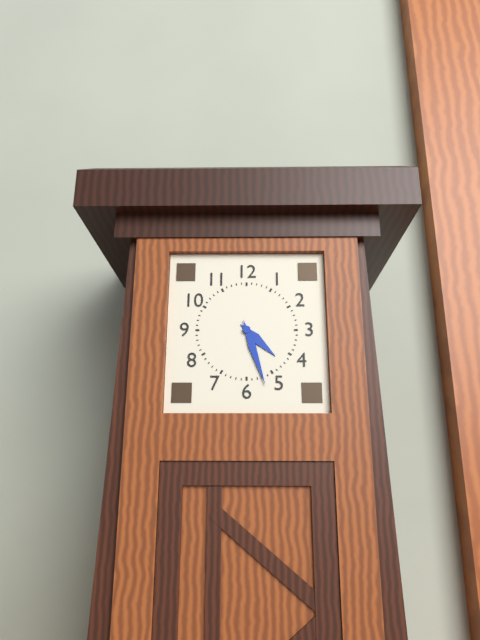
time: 4:27
